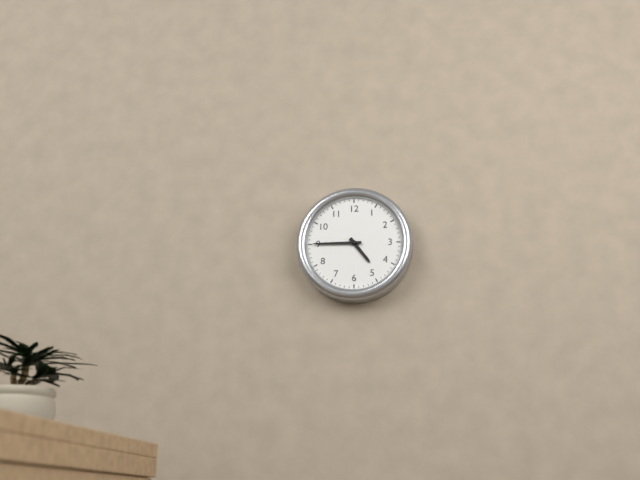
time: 4:45
